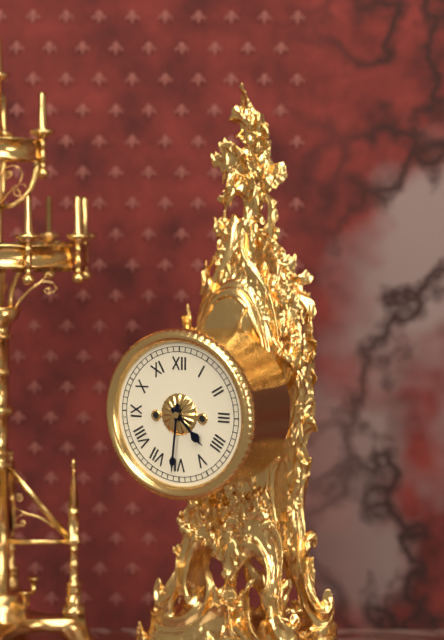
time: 4:31
